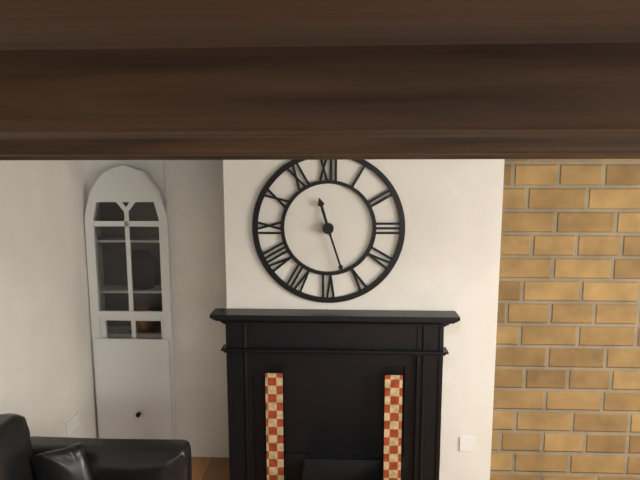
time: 11:27
